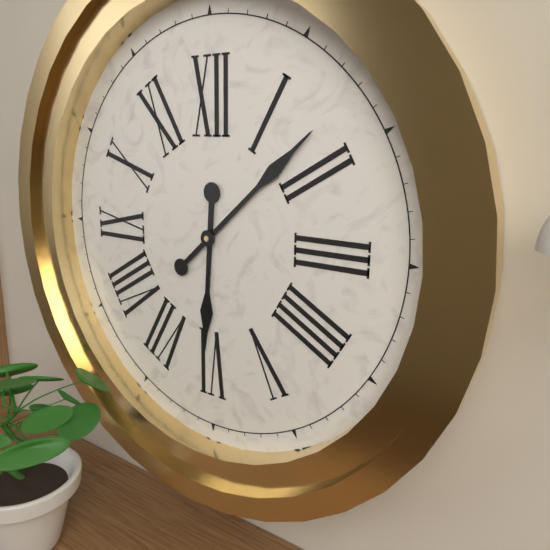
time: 6:08
